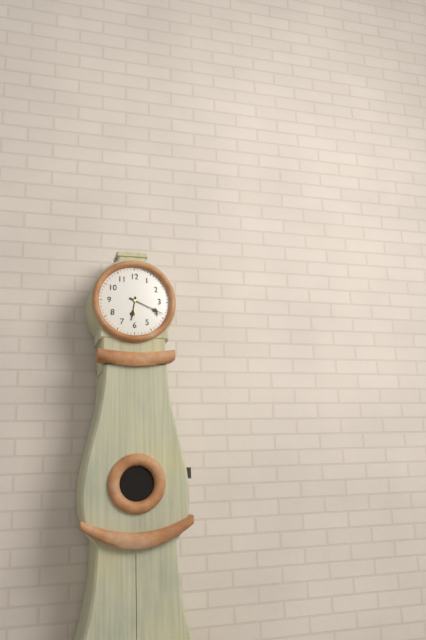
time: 6:19
